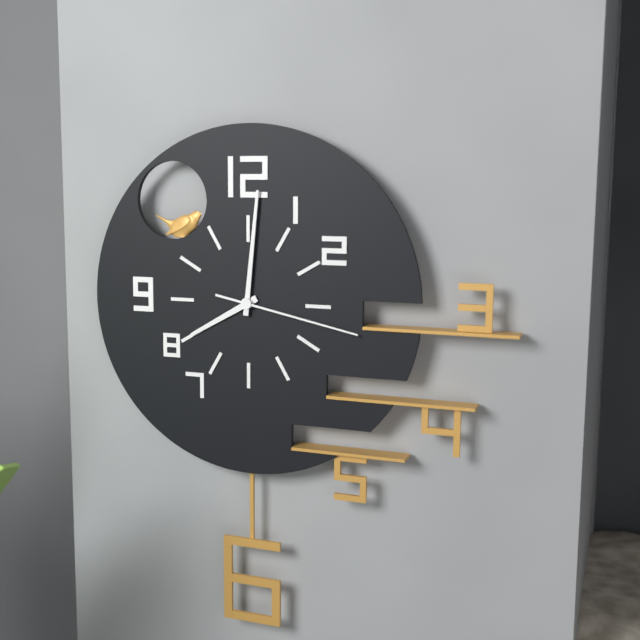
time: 8:01:17
